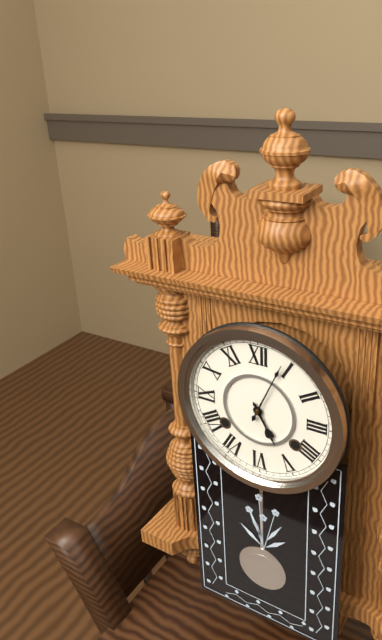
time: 5:04
